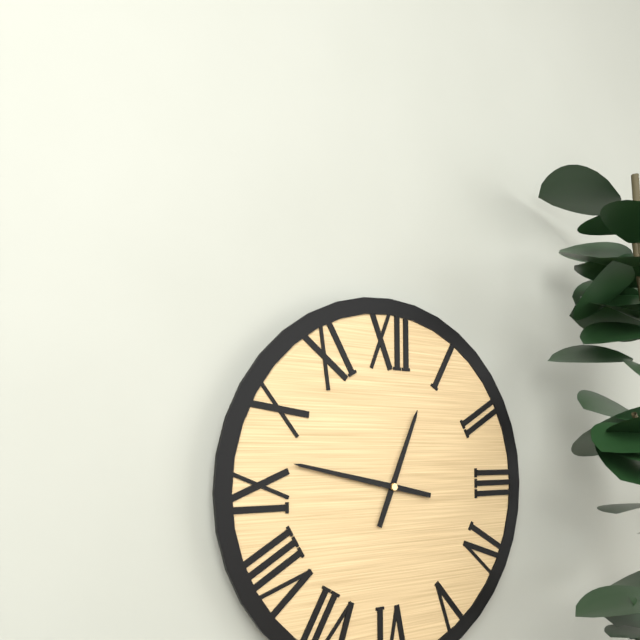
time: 12:47
